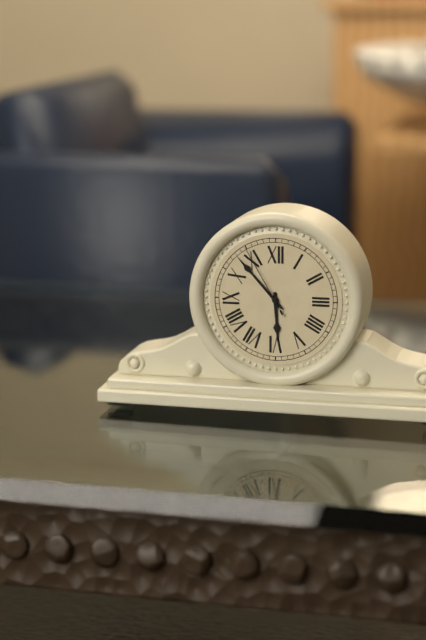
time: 5:53:55
